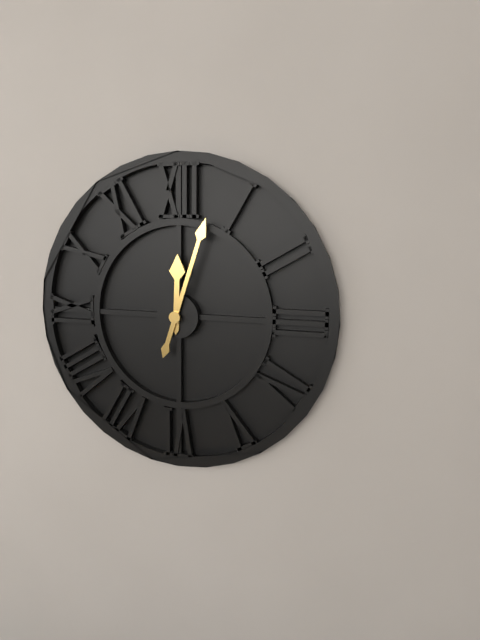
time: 12:03
